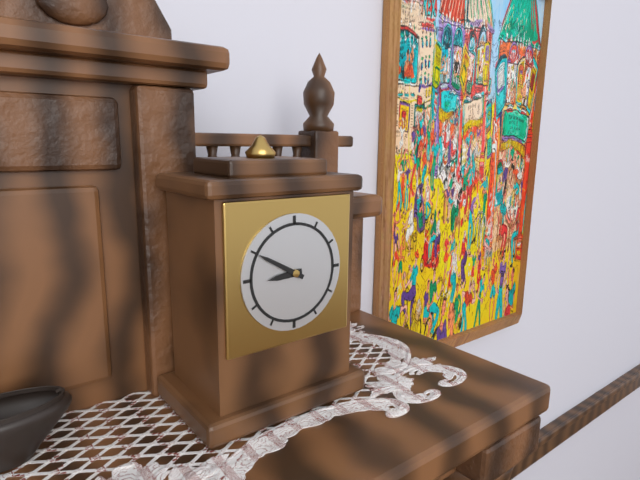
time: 8:50
